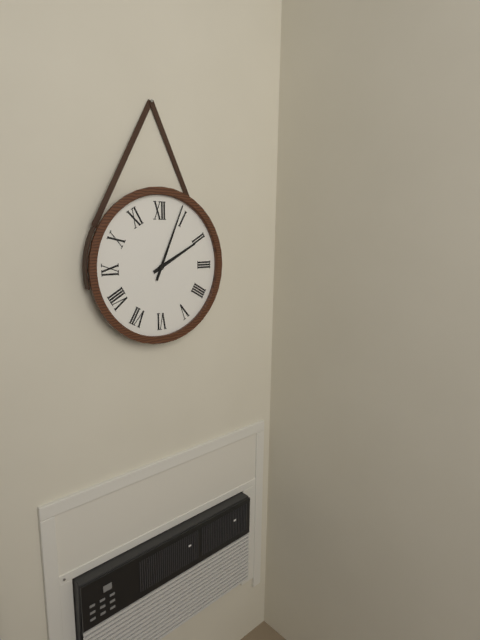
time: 2:04
